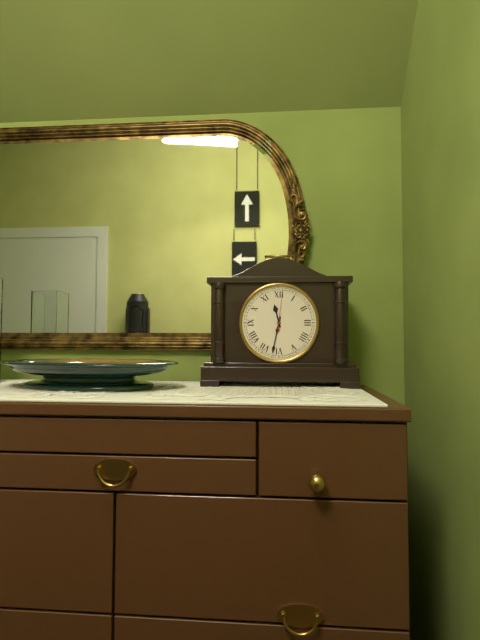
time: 11:32
